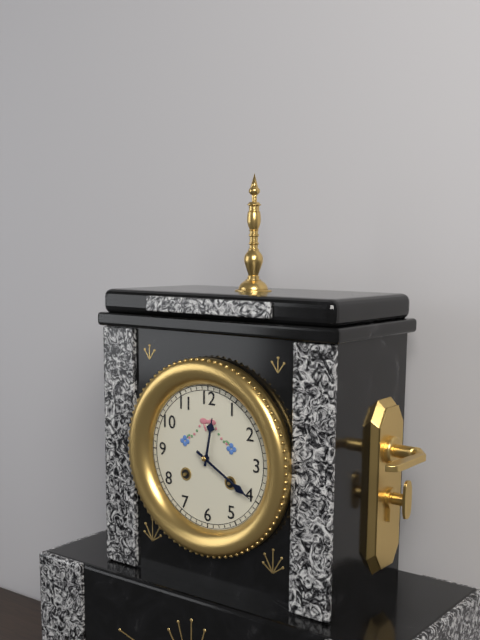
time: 12:20
